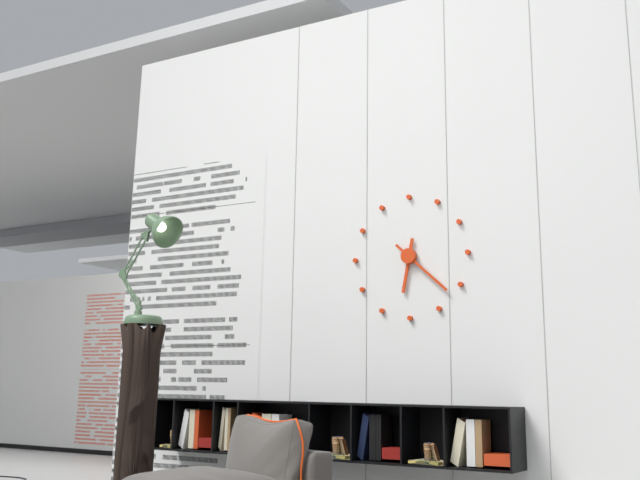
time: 6:22
